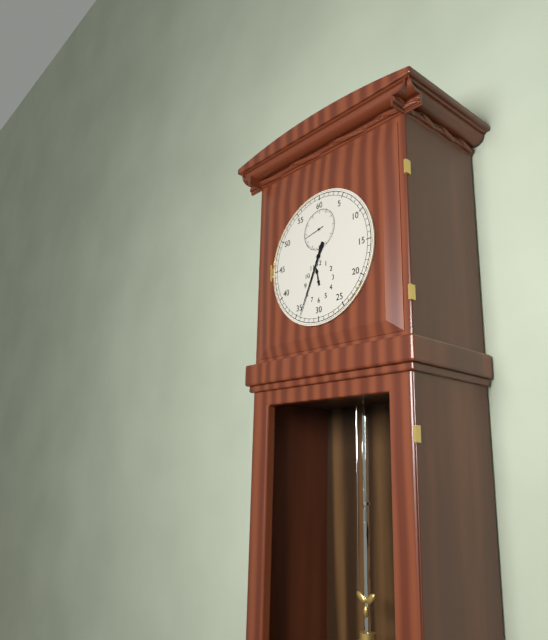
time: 11:34
